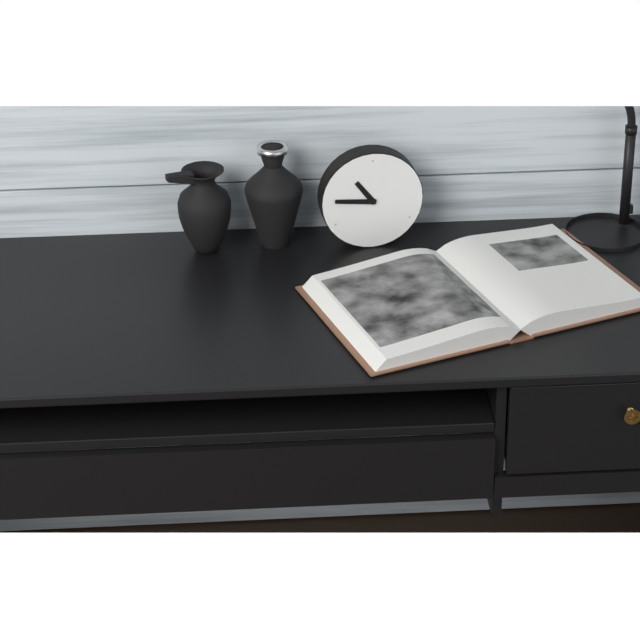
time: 10:46
